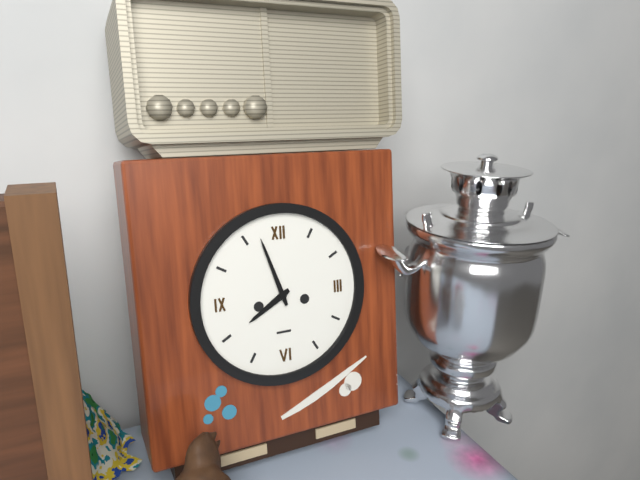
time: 7:57
